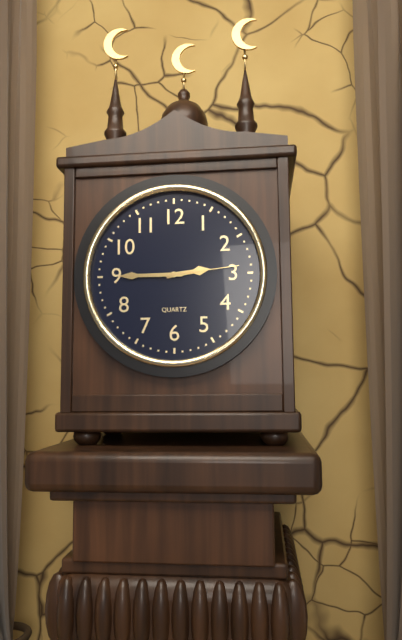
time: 2:45:14
